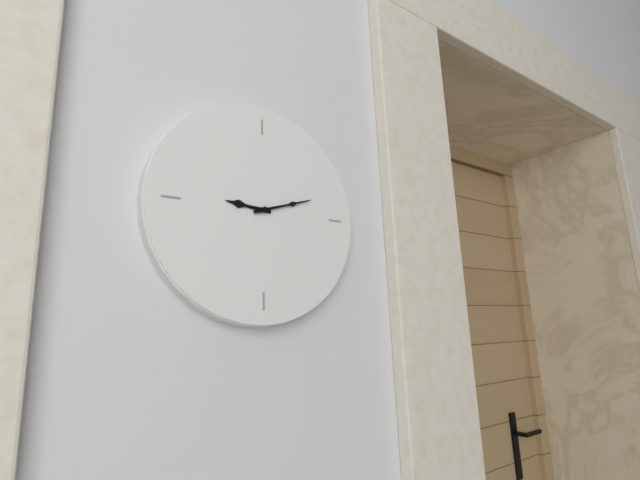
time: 9:12
